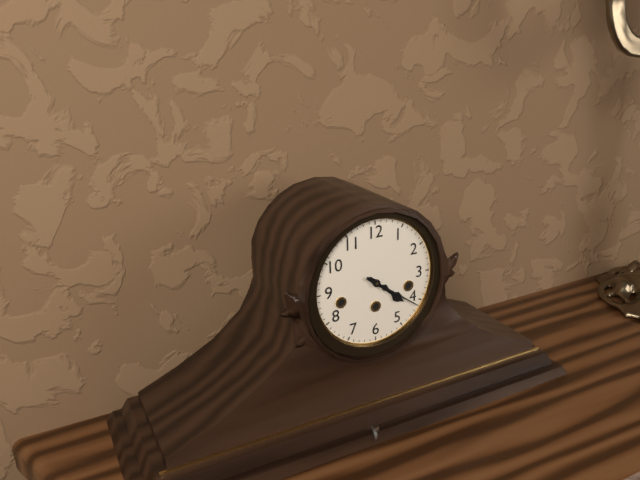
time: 4:21
